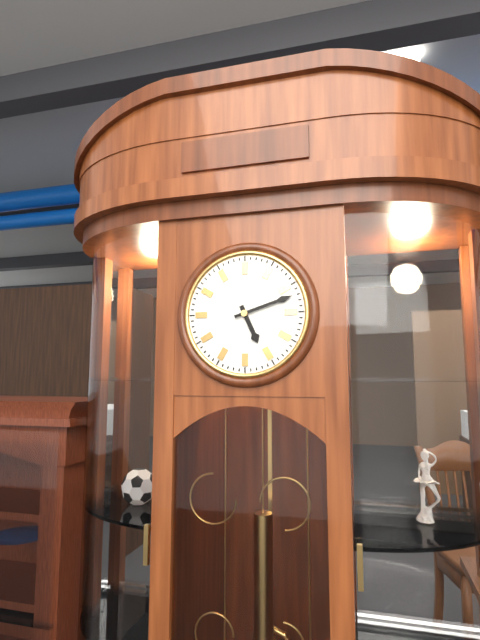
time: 5:12
